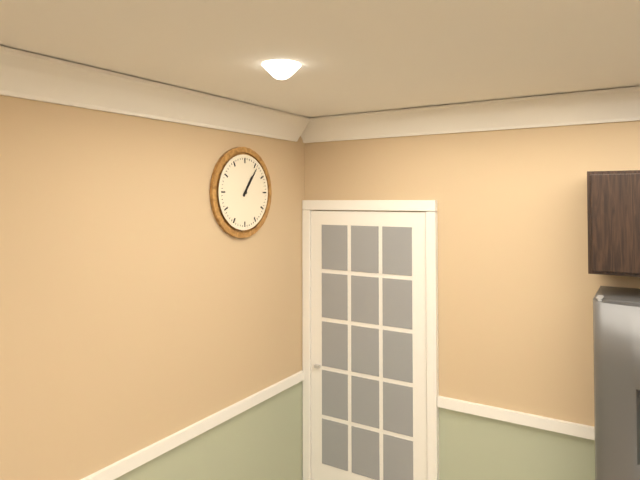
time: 1:06
